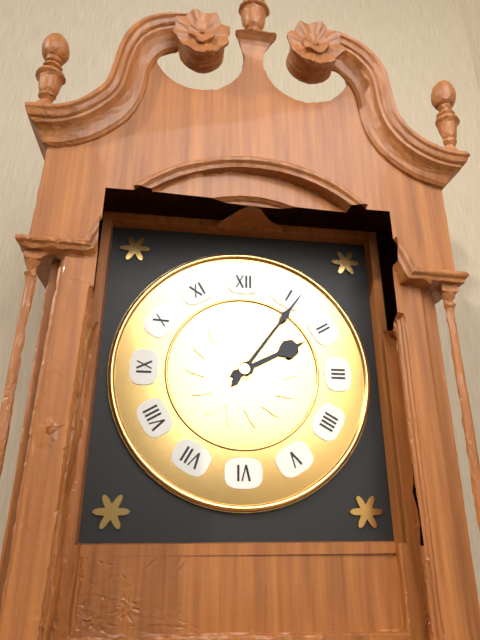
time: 2:06
